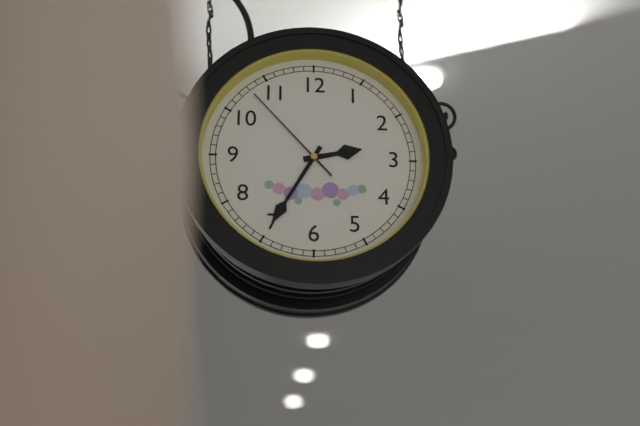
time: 2:35:53
